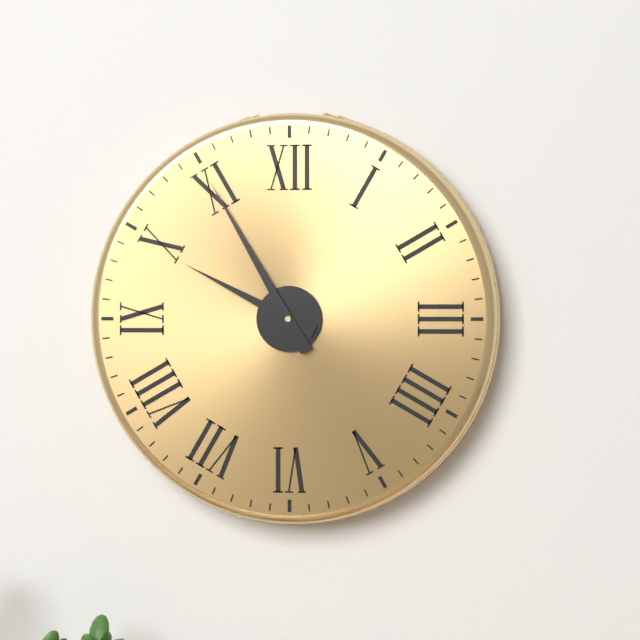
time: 9:55
